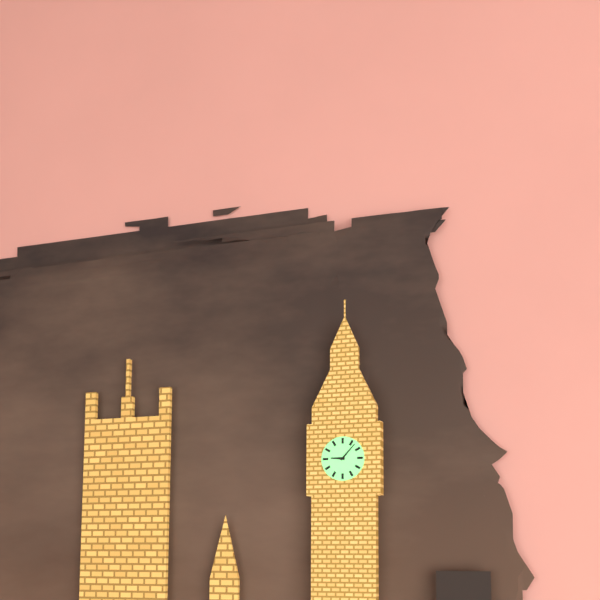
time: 9:07
